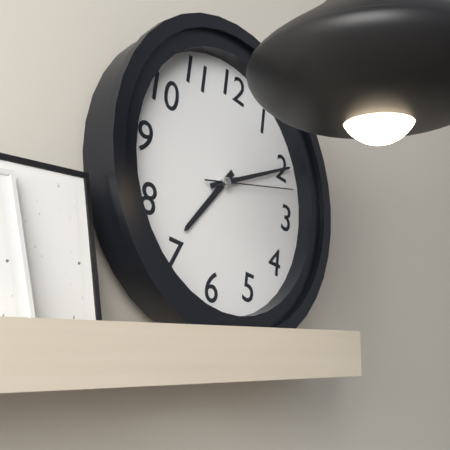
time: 7:10:12
